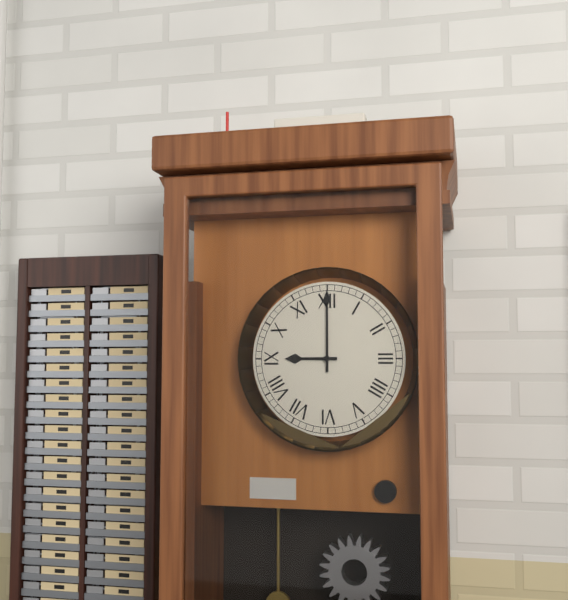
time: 9:00
